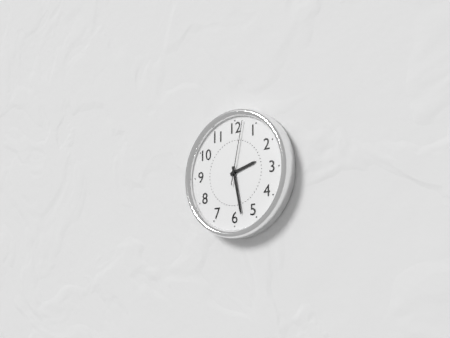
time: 2:28:02
